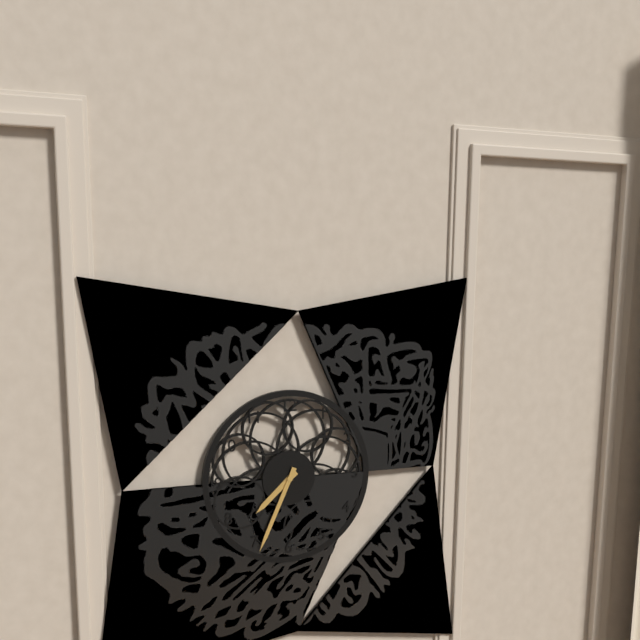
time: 7:34
